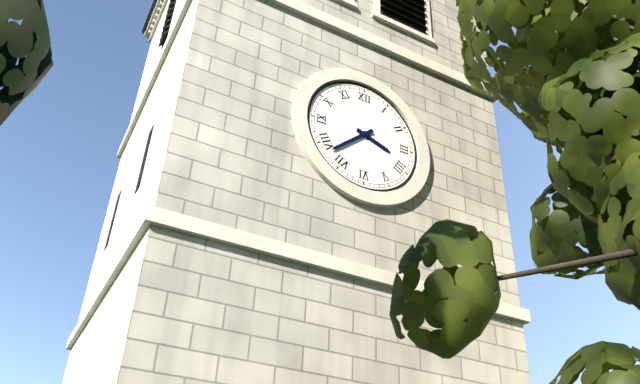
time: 3:38
